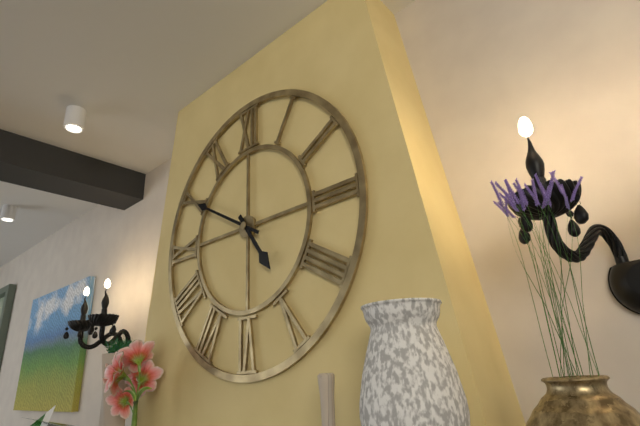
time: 4:50
